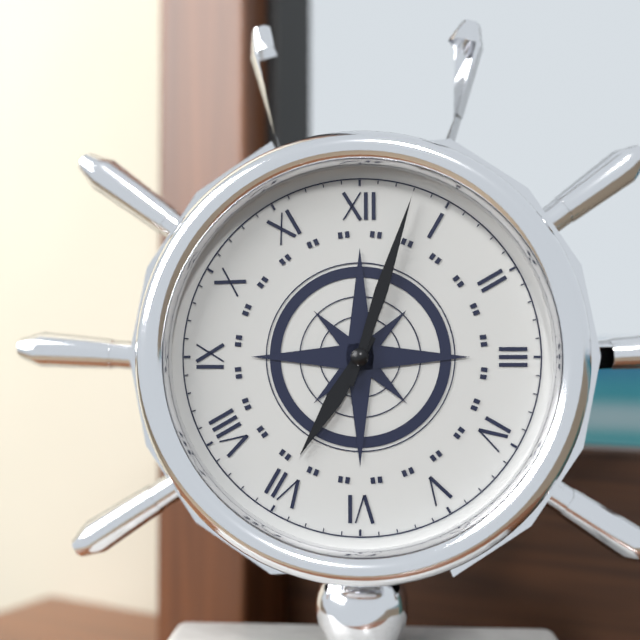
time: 7:03
